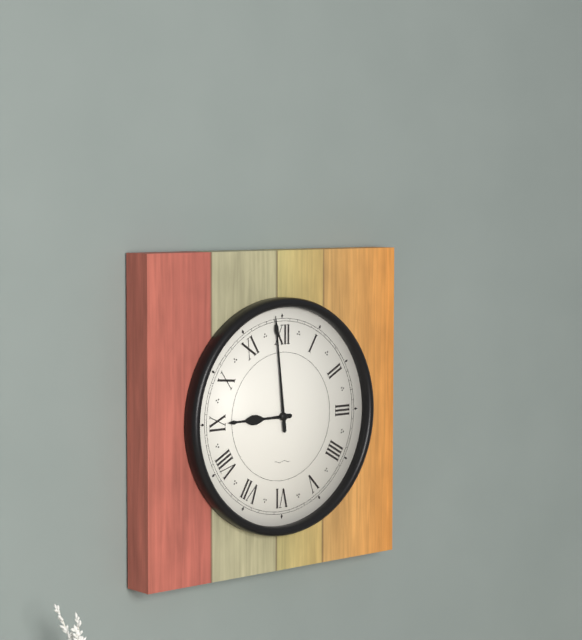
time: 8:59
